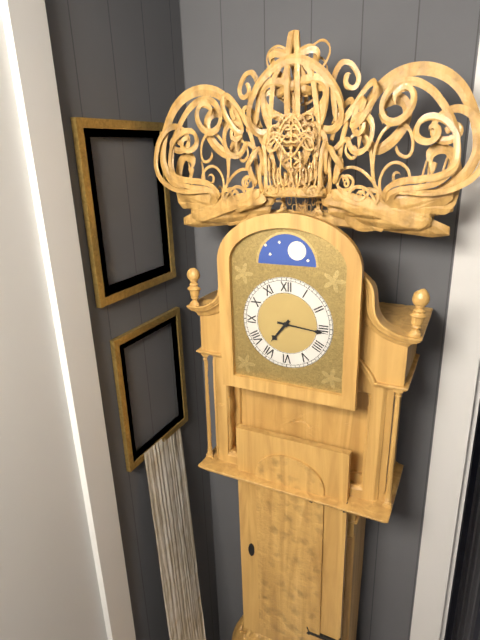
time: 7:16
